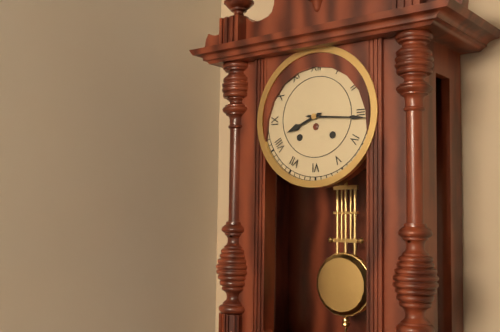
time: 8:16
